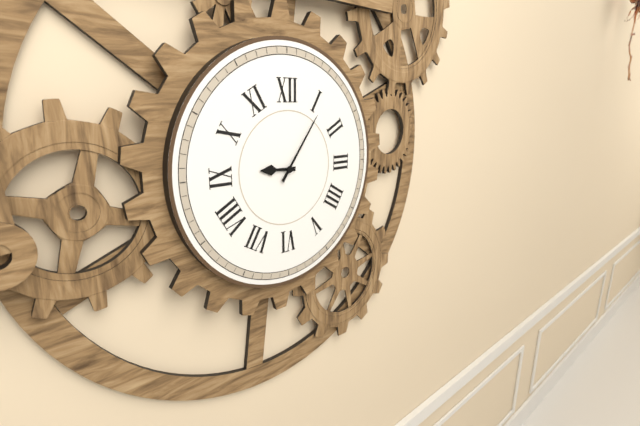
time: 9:06
